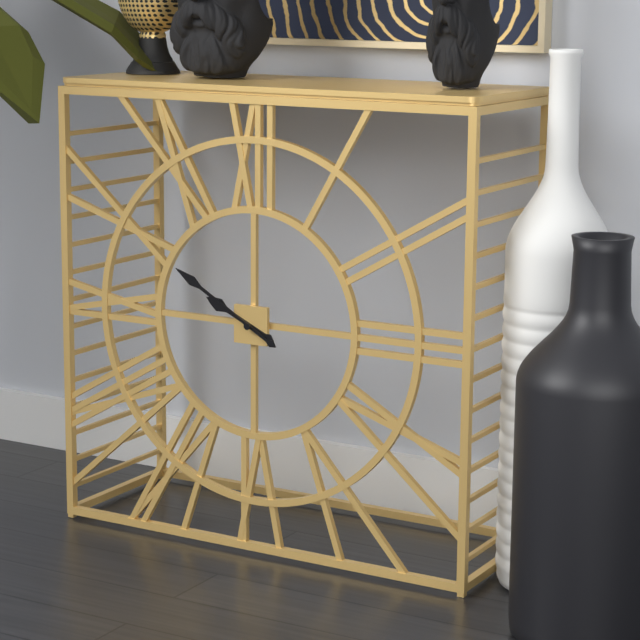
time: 9:50
